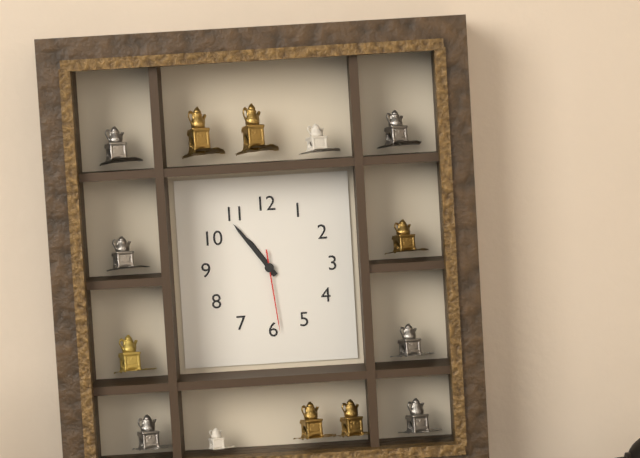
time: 10:54:29
